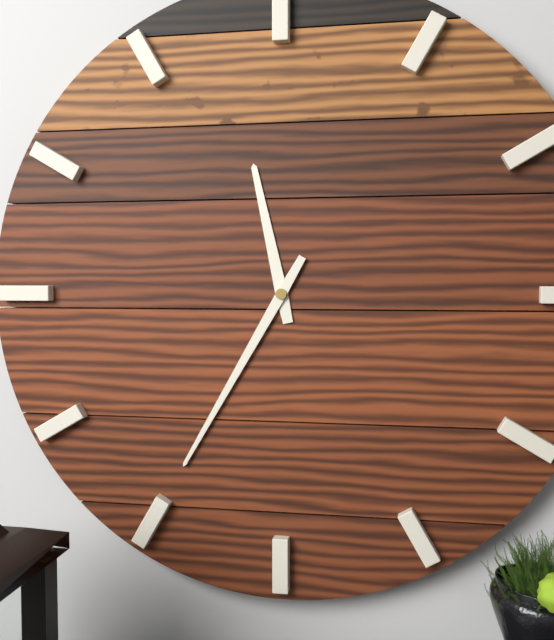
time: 11:35
